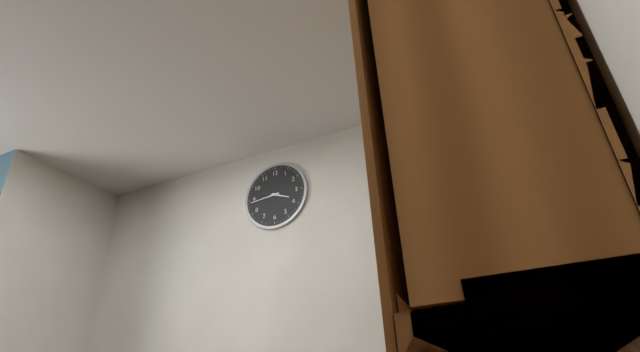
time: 3:44
